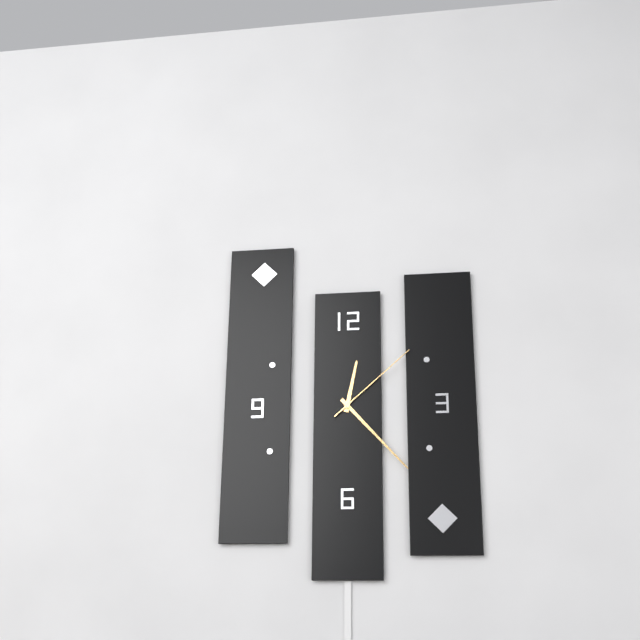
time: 12:23:08
